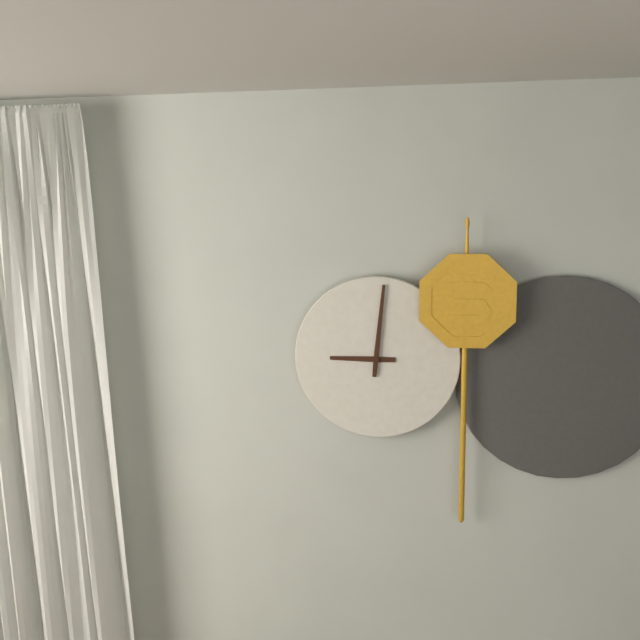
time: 9:01
